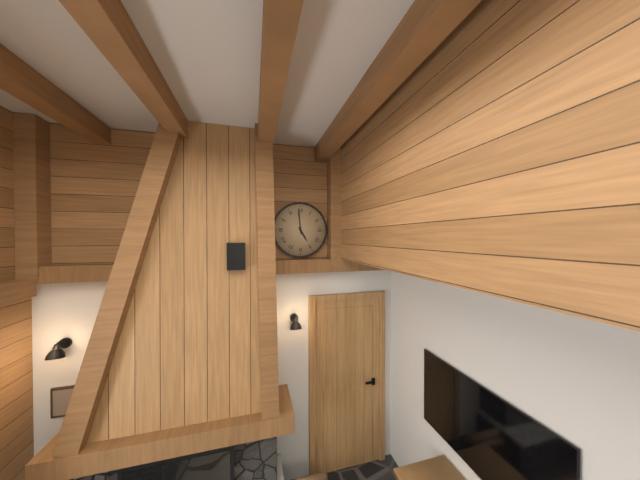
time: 4:59
